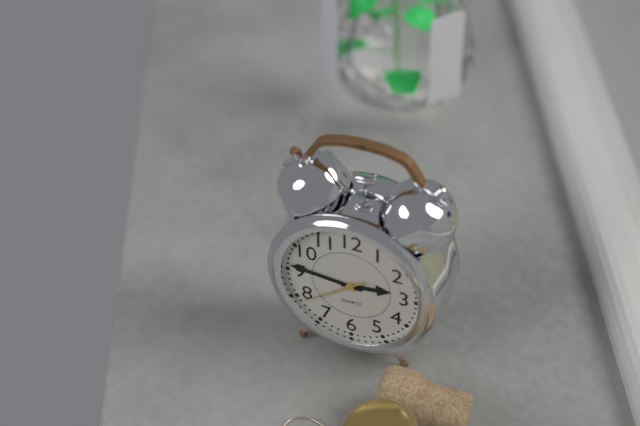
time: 2:46:39
